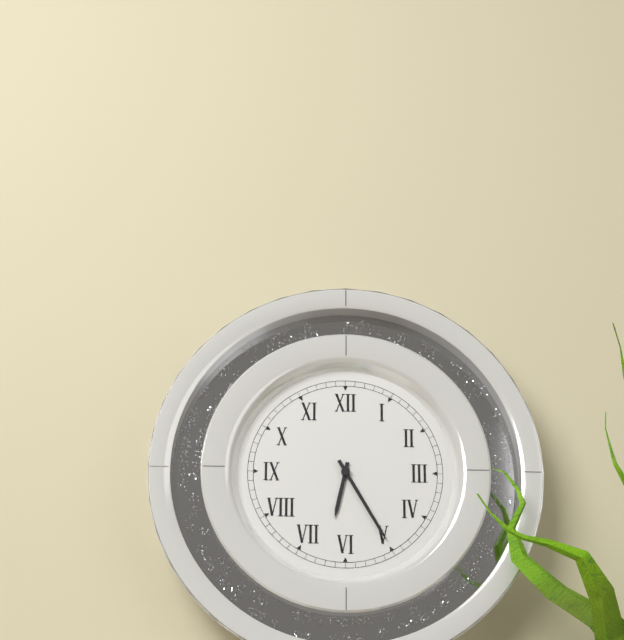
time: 6:25
